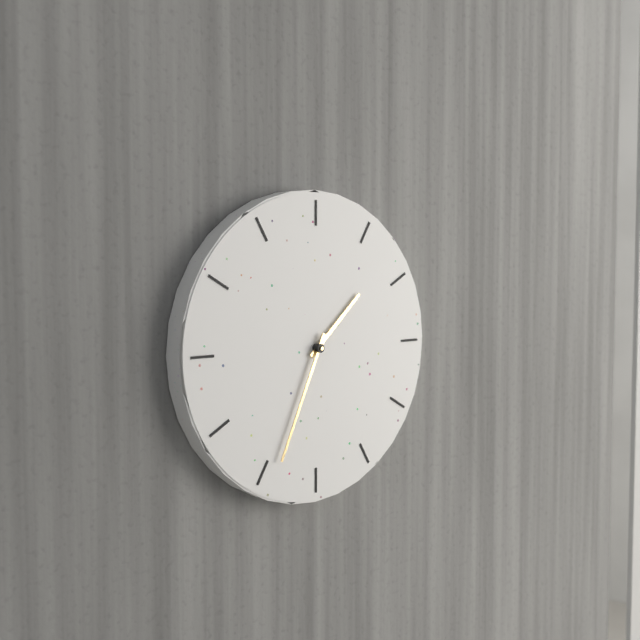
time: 1:34
